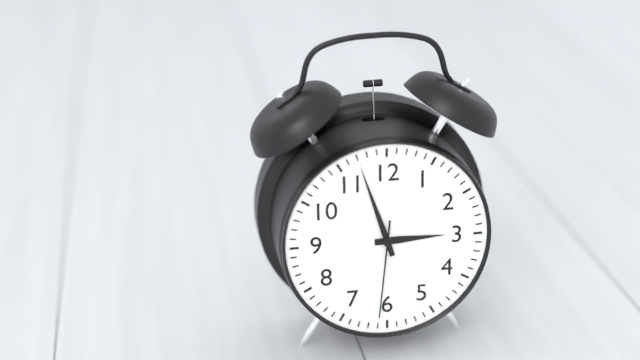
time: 2:57:31
